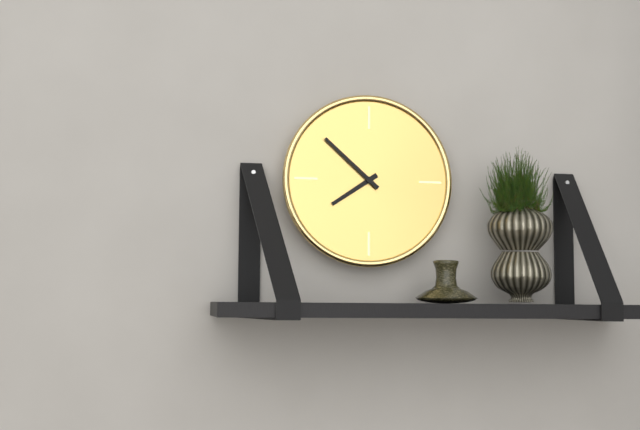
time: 7:52
